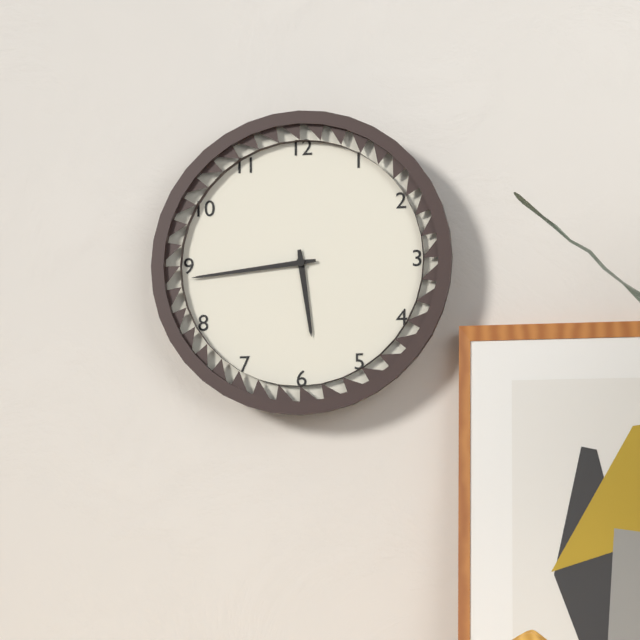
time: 5:44
